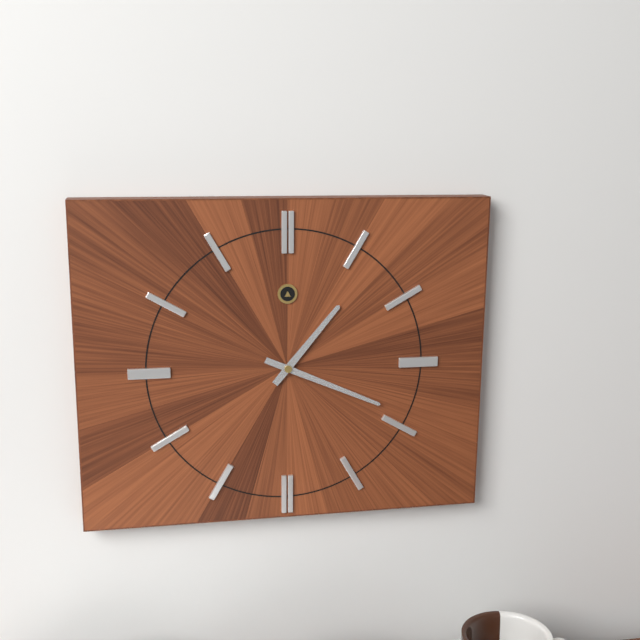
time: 1:19
